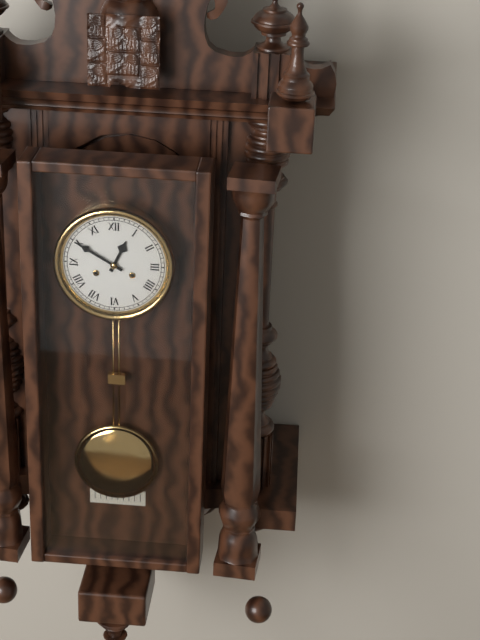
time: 12:50
